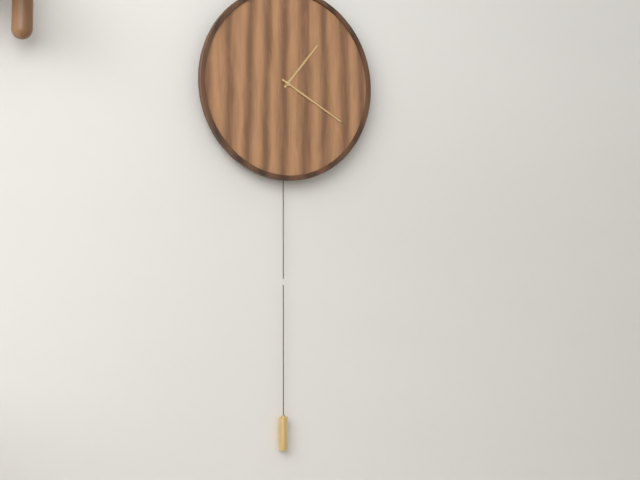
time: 1:20
